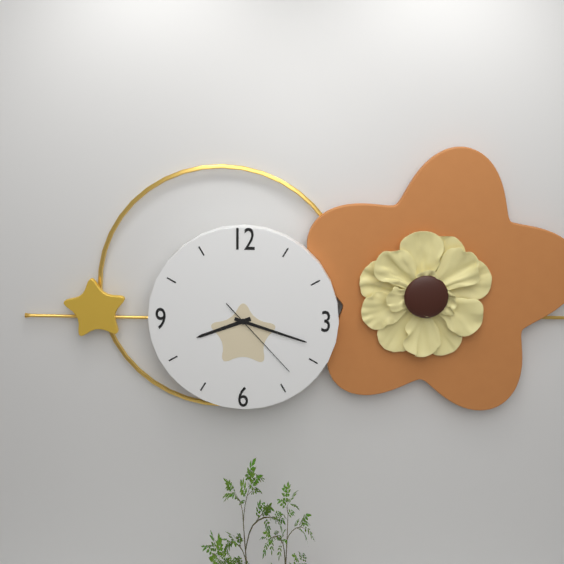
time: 8:18:23
